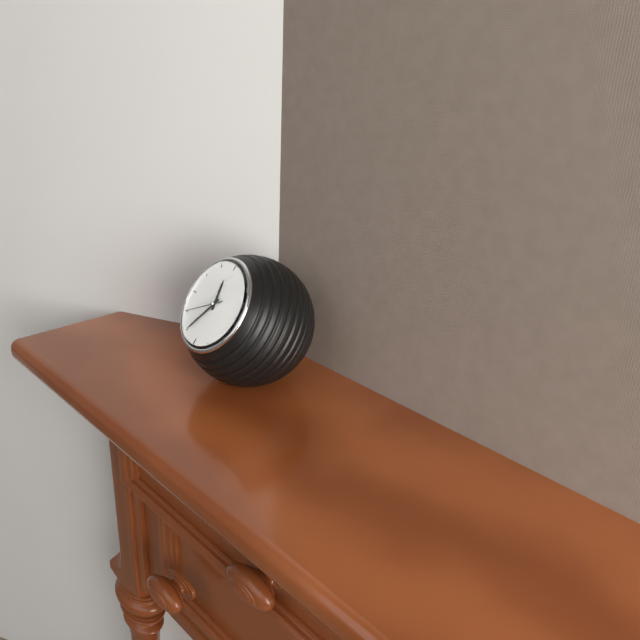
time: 11:35:40
